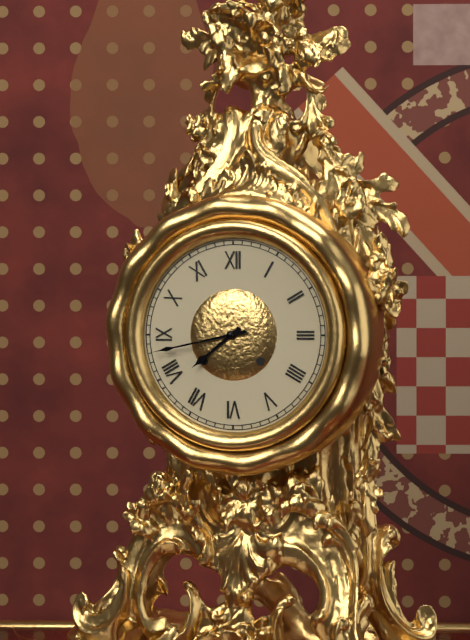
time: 7:43
